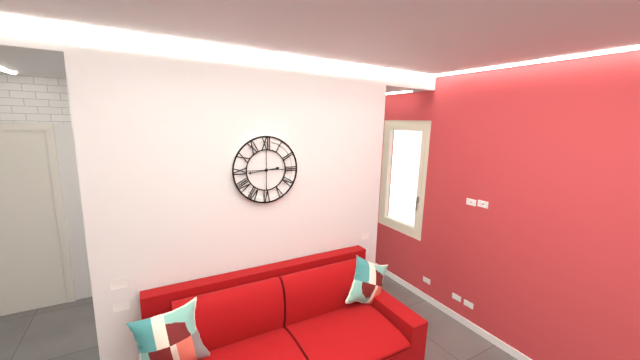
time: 2:44
